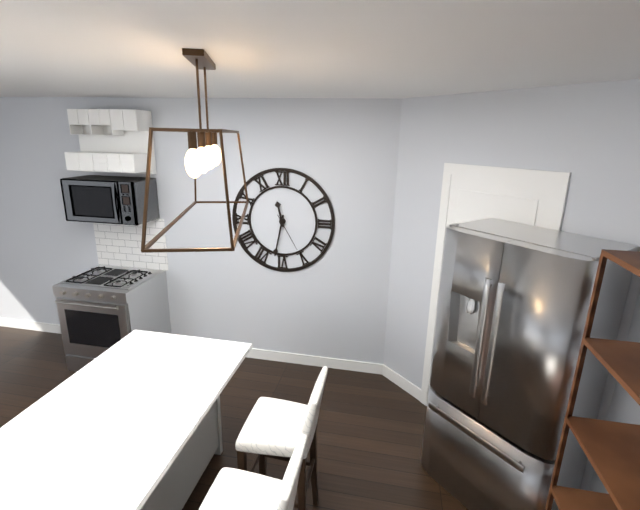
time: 11:32
